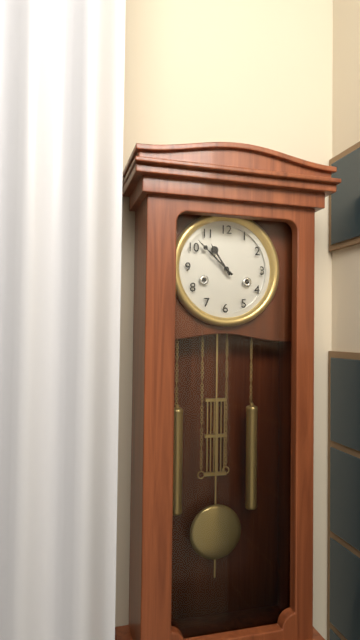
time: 10:52
